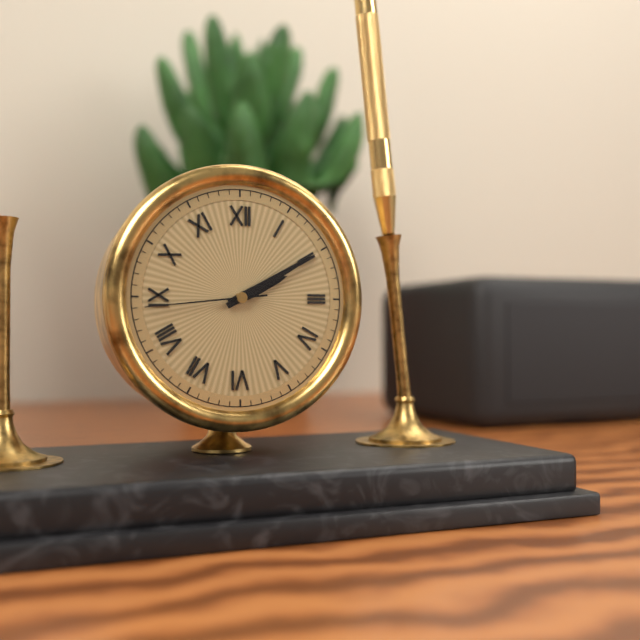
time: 2:10:44
